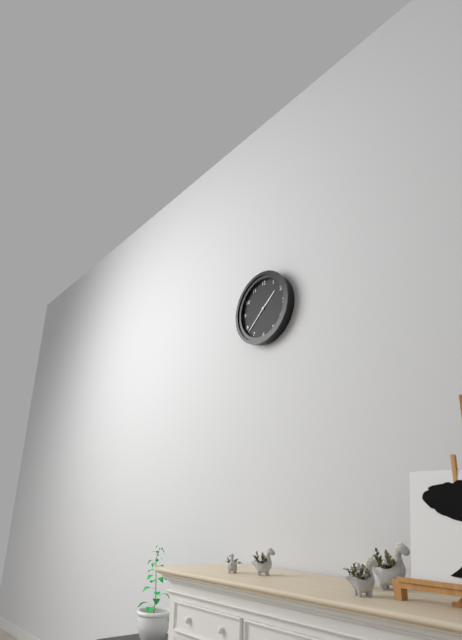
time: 1:38
